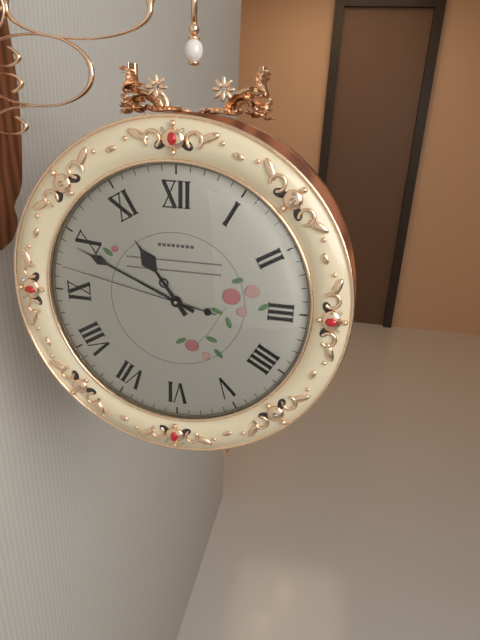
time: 10:49:47
